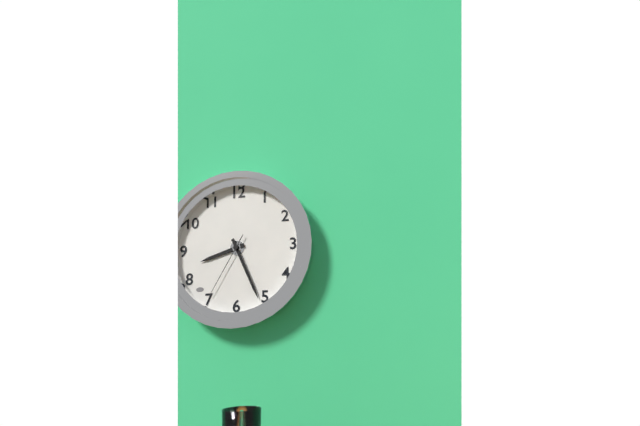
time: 8:26:35
